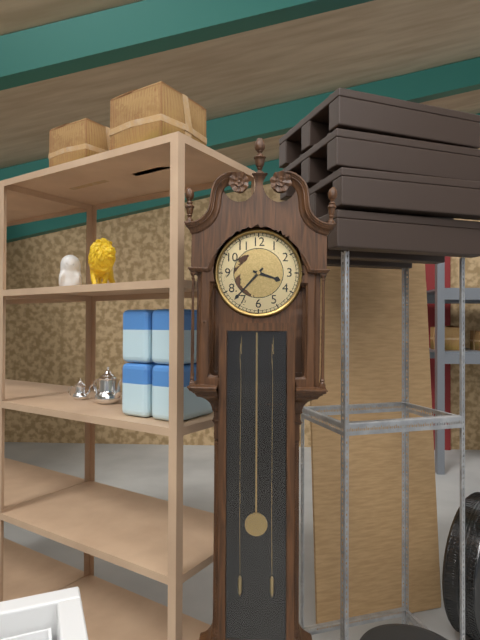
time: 3:37
